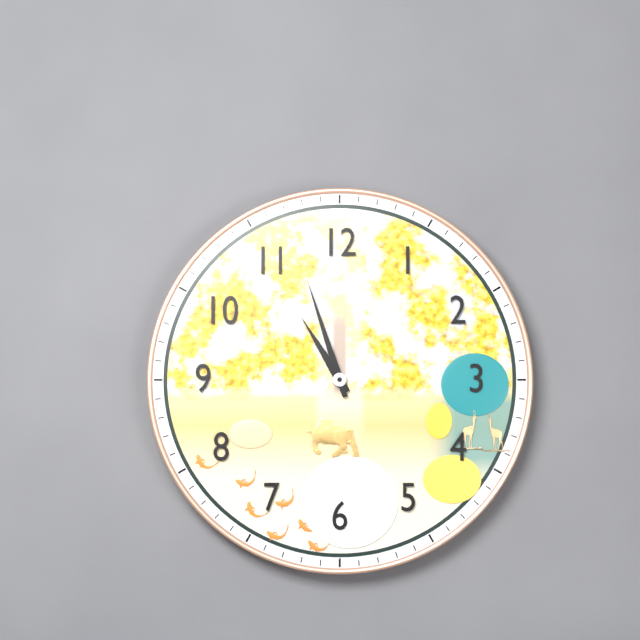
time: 10:57
